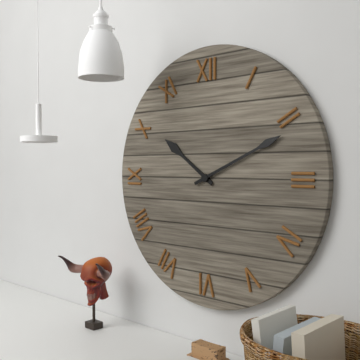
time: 10:11
